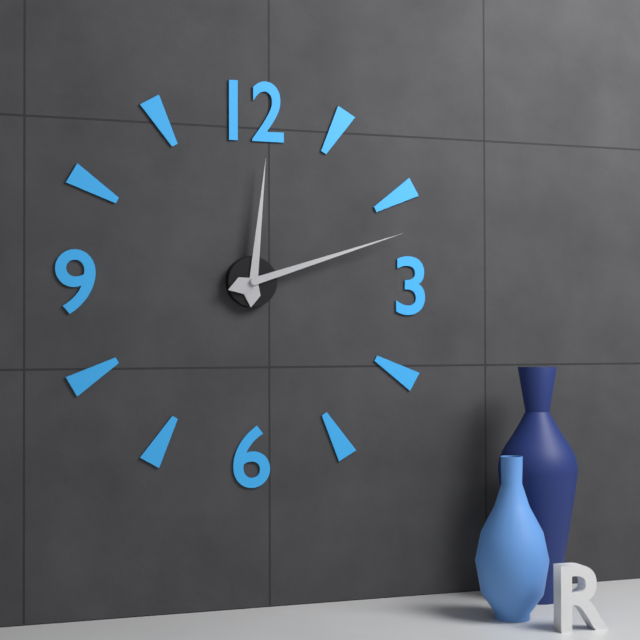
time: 12:12
